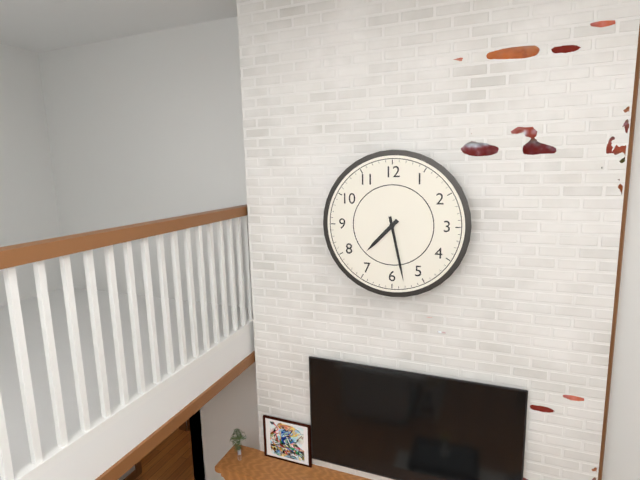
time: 7:28
